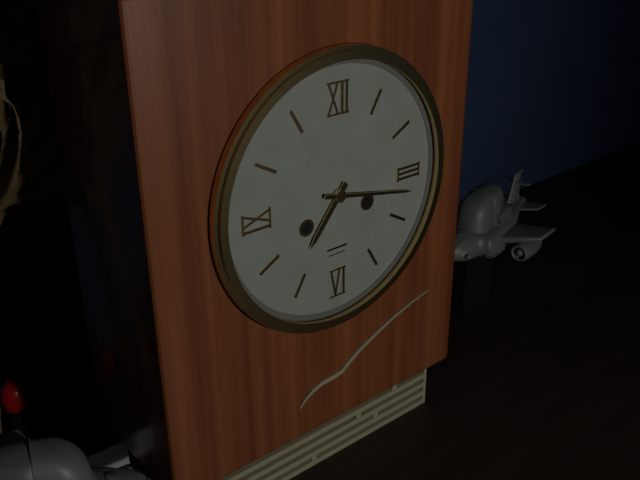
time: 7:17
